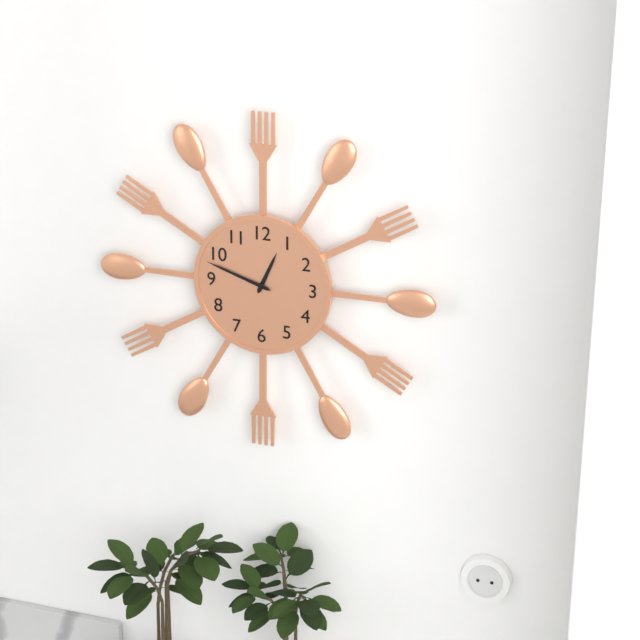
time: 12:48
